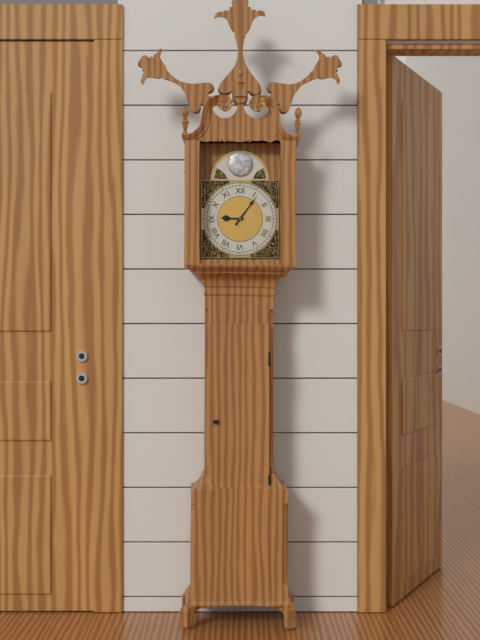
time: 9:06
